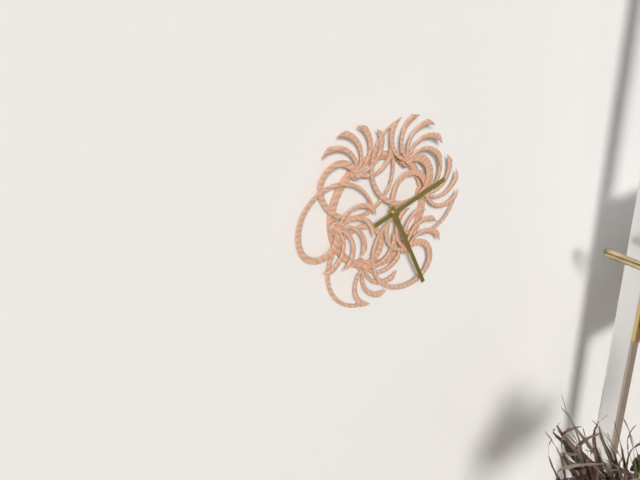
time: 2:26
